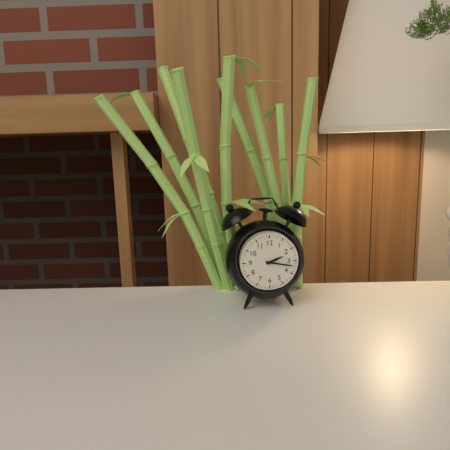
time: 2:17
